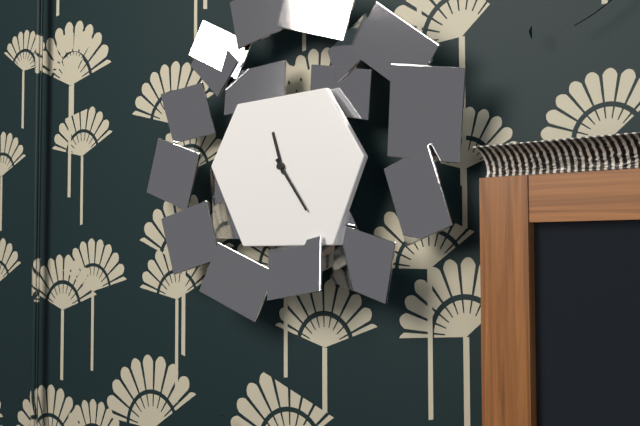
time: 11:24
